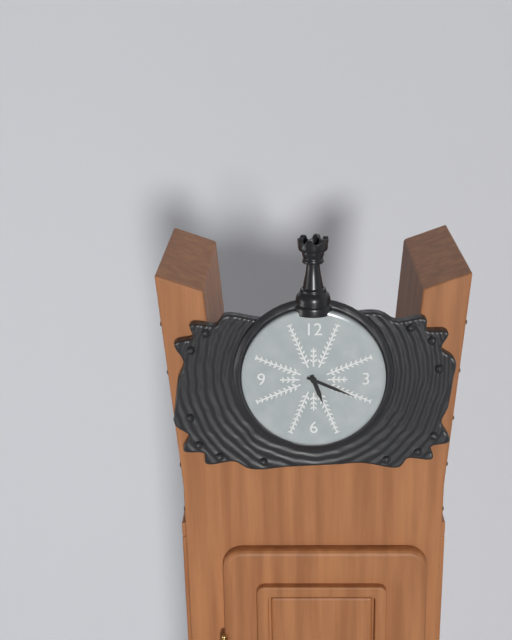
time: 5:19
